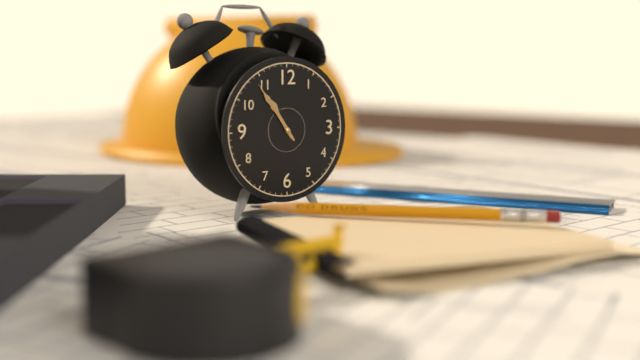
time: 10:54
